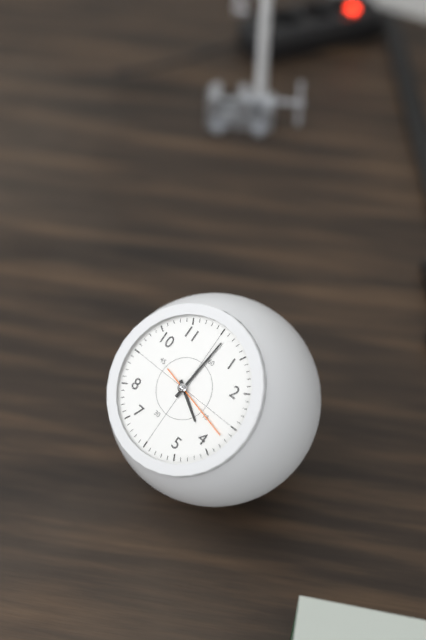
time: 4:01:17
